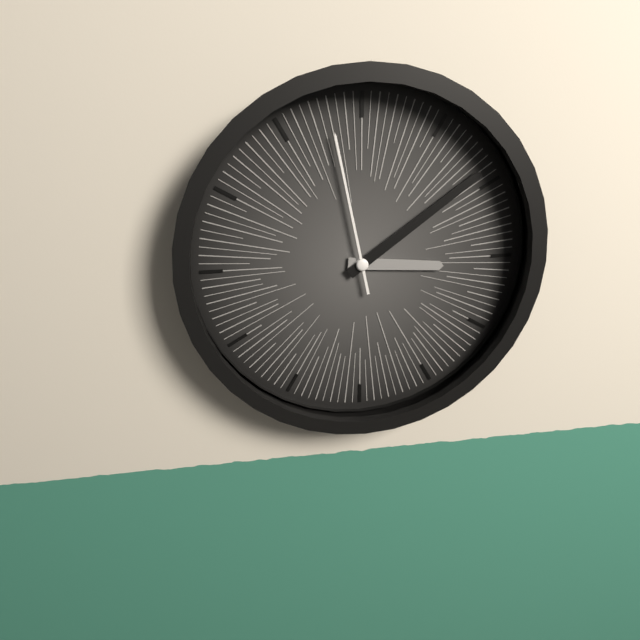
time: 3:09:58
